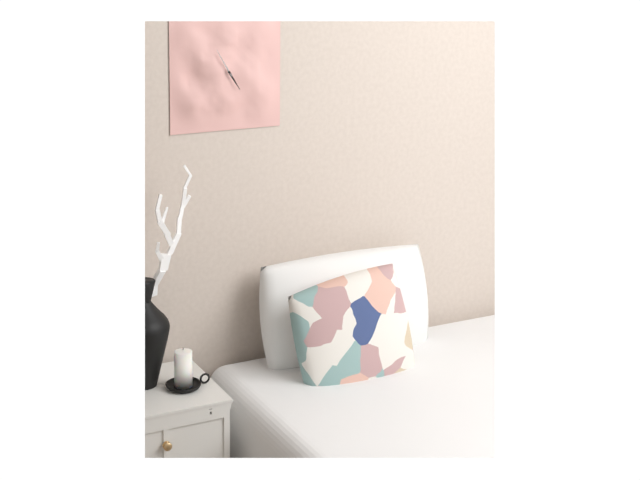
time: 4:55
